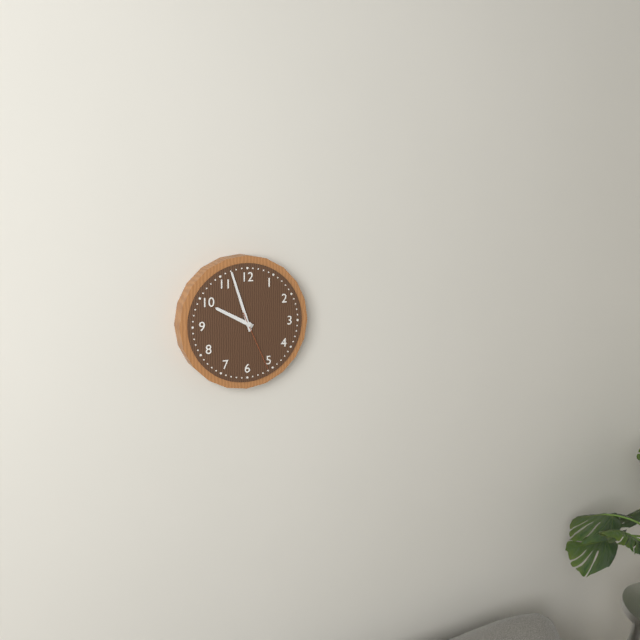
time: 9:57:26
